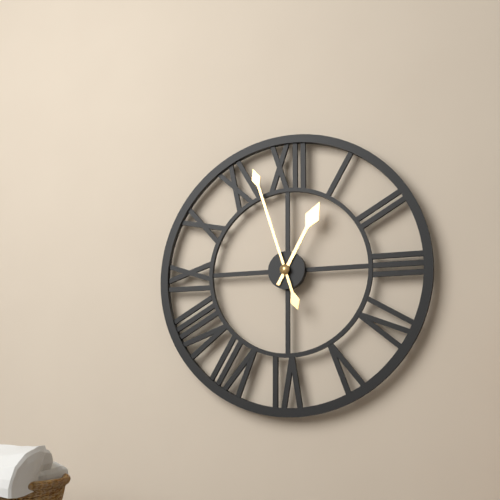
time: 12:57
